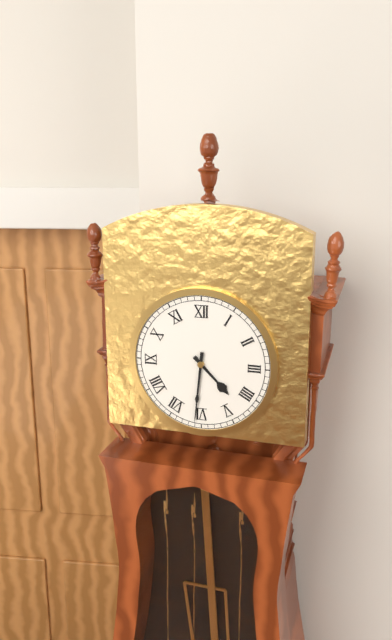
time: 4:31
